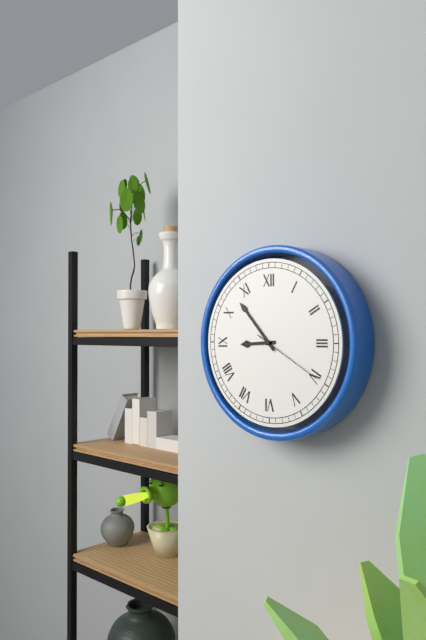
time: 8:53:20
